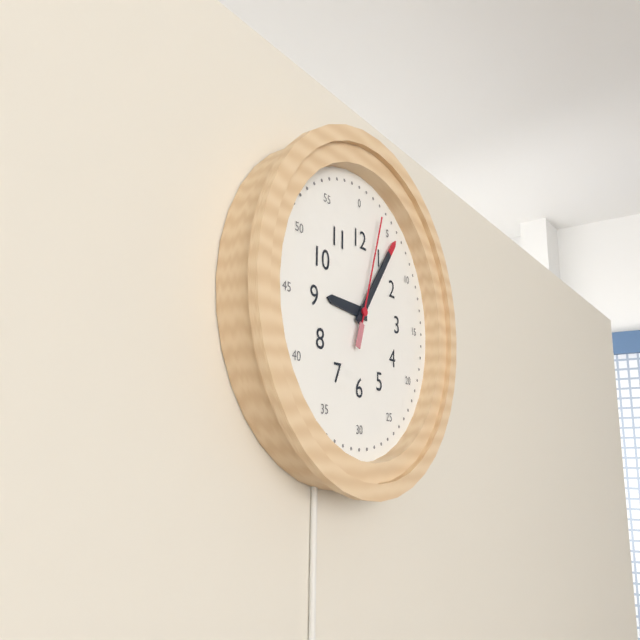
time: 9:06:03
